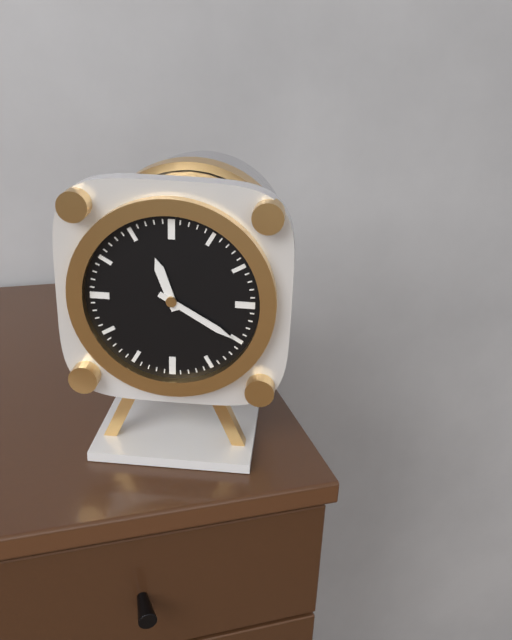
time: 11:20
